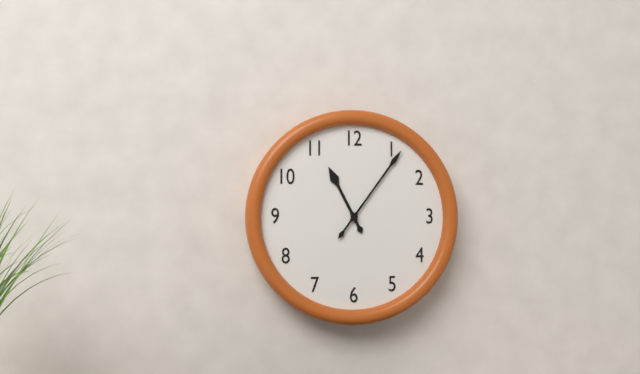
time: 11:06
